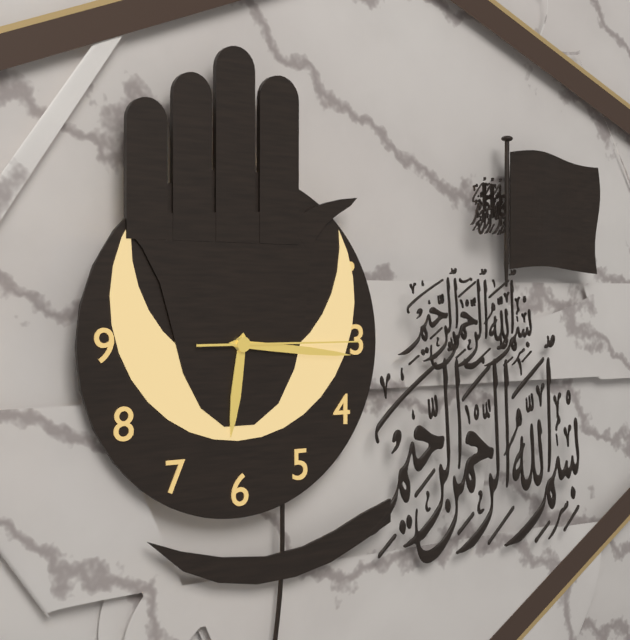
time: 6:16:15
